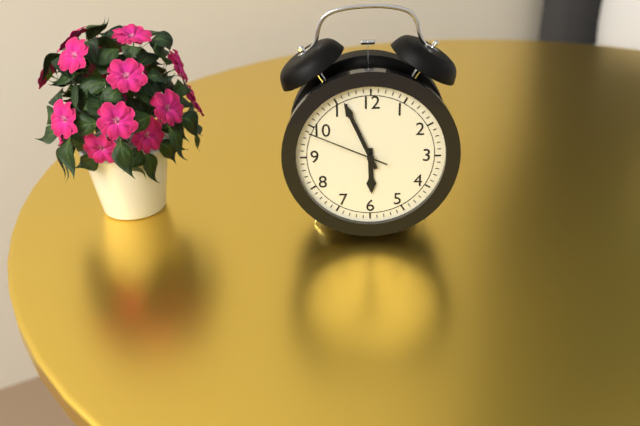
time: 5:56:49
